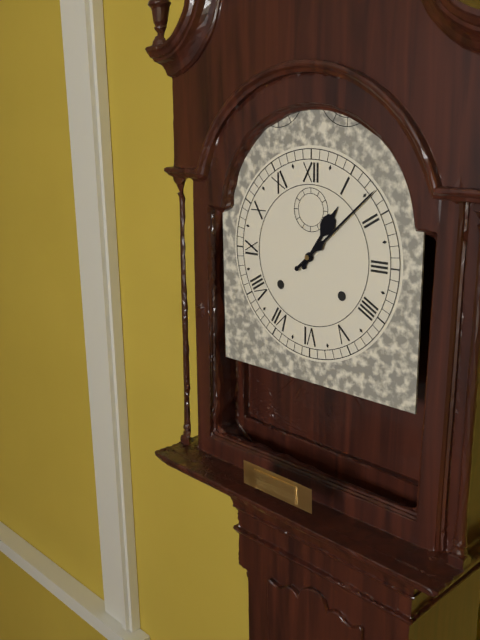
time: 1:08
